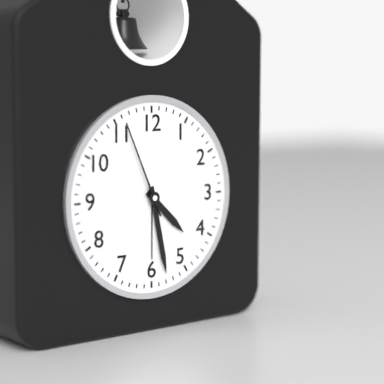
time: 4:28:56
